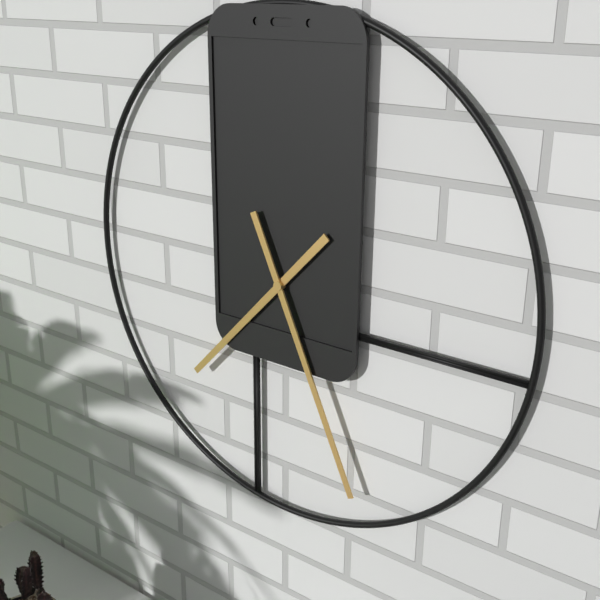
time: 7:26
